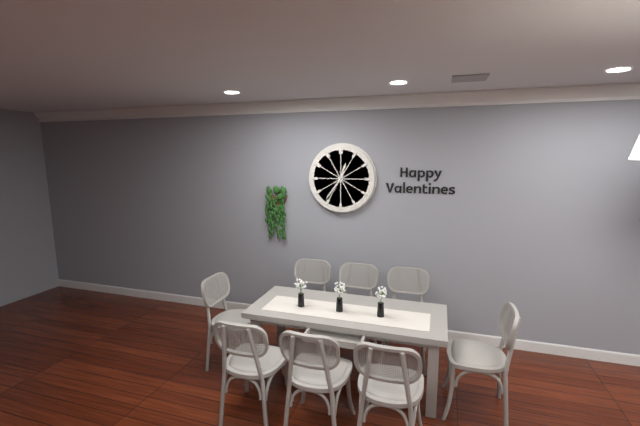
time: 12:36
